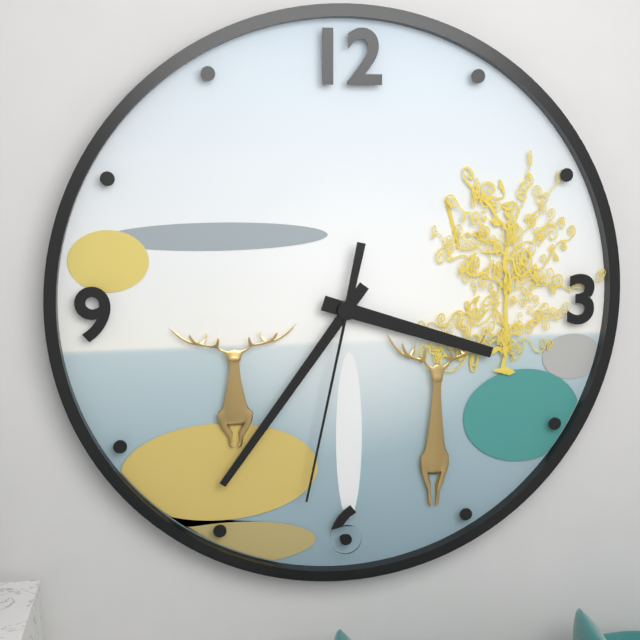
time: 3:36:32
